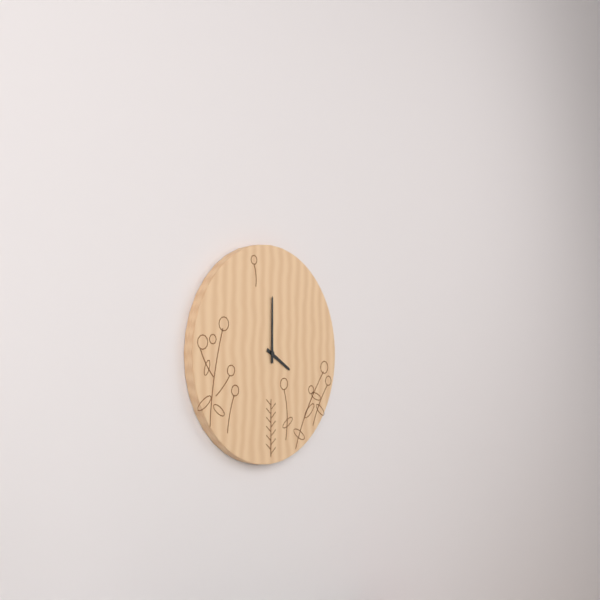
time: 4:00
